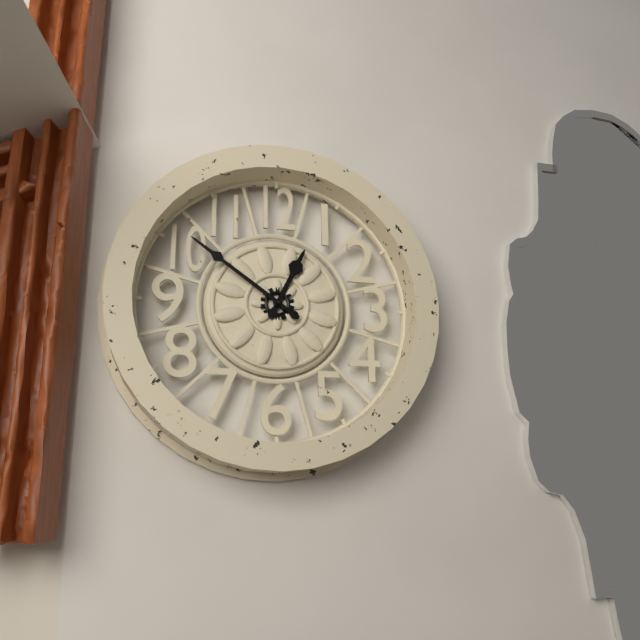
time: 12:51
